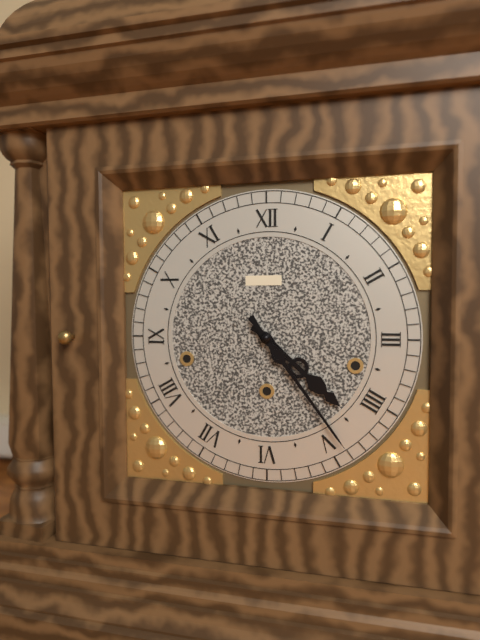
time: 4:24
